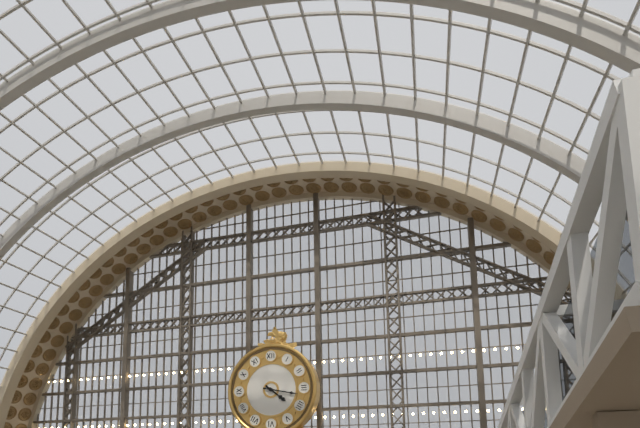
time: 4:17
